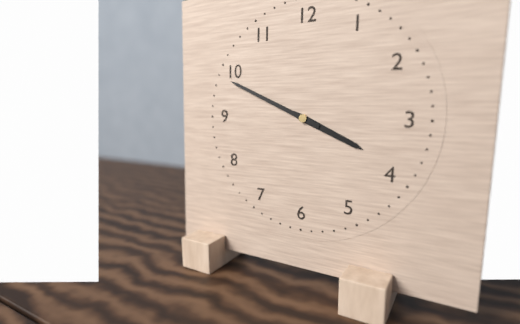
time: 3:49
